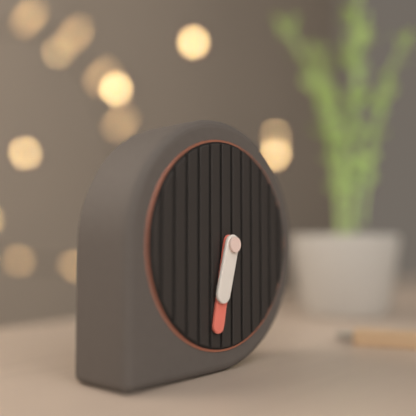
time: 6:32
